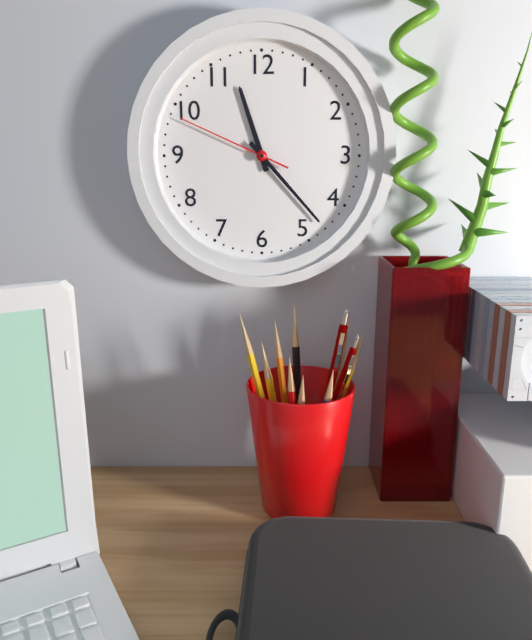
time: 11:23:49
